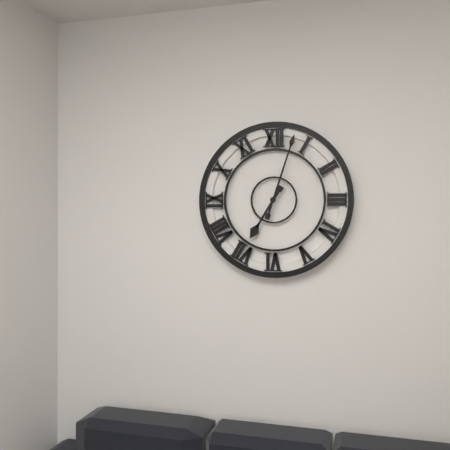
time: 7:03
